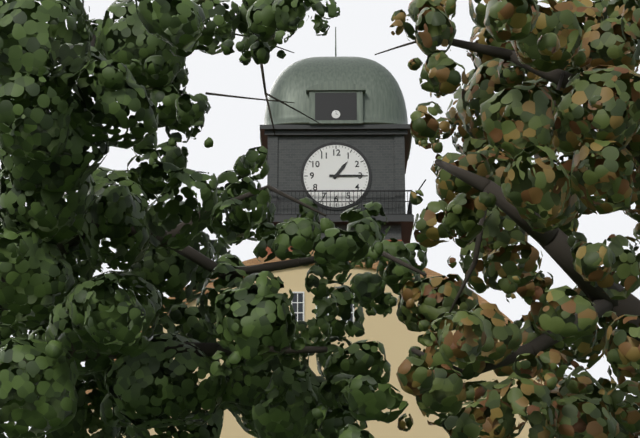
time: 1:15
